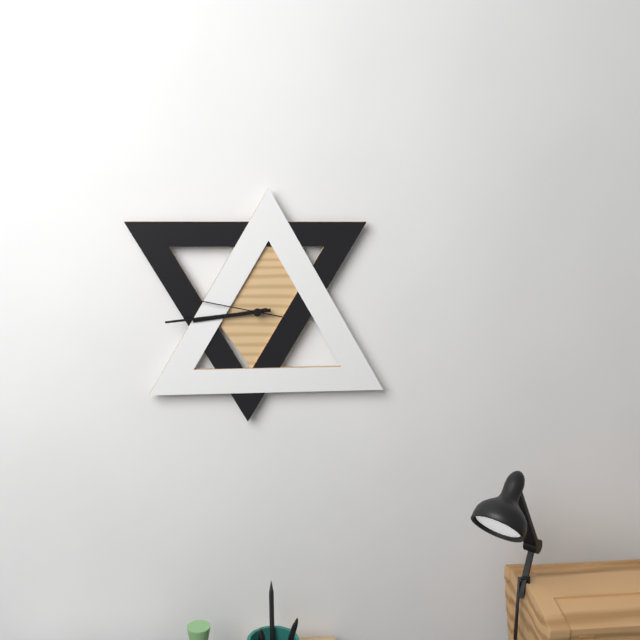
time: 8:44:47
